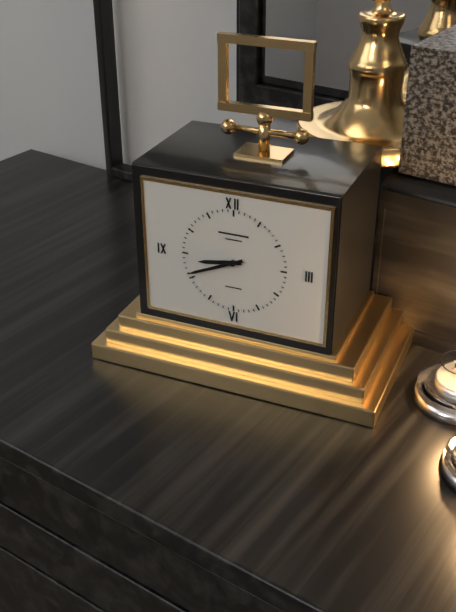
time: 8:41
